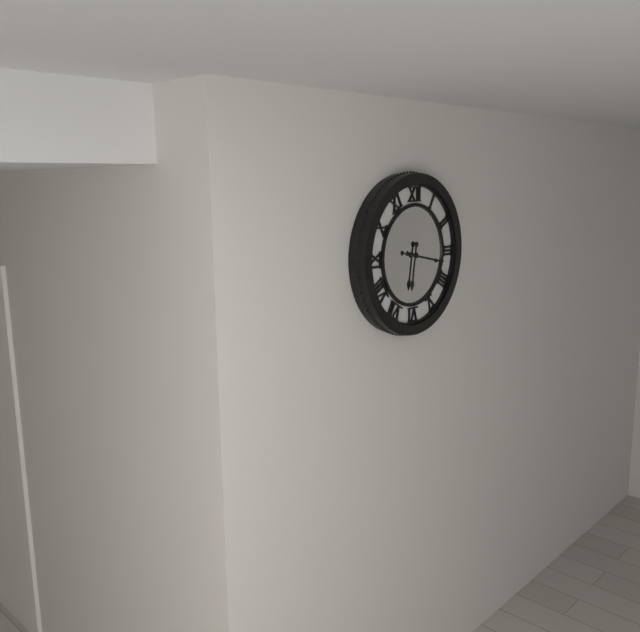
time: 6:17
